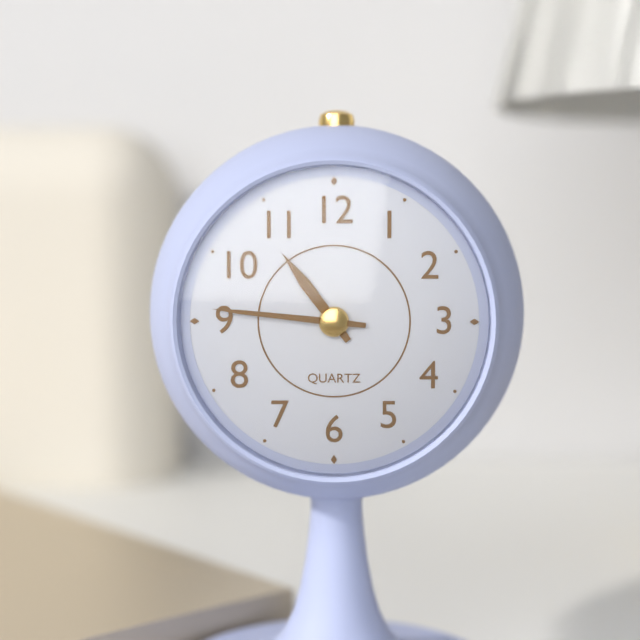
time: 10:46
